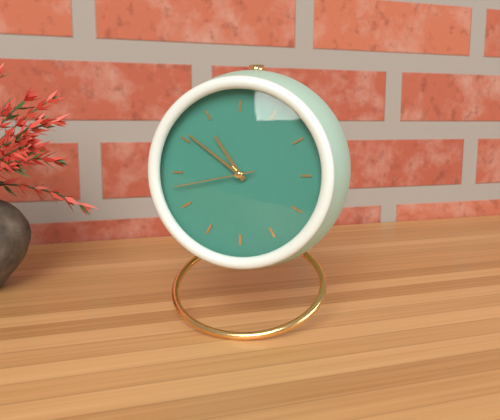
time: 10:51:43
